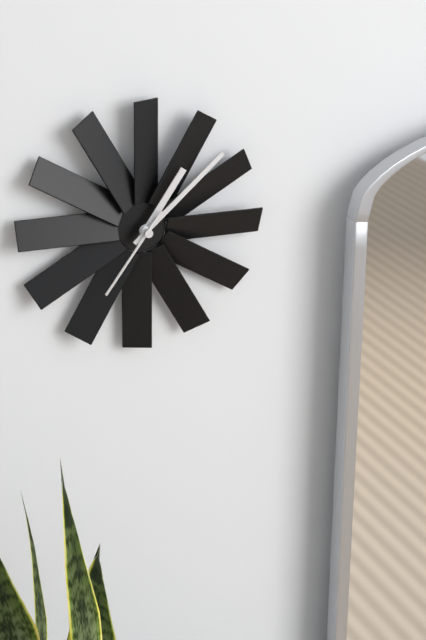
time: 1:08:36
